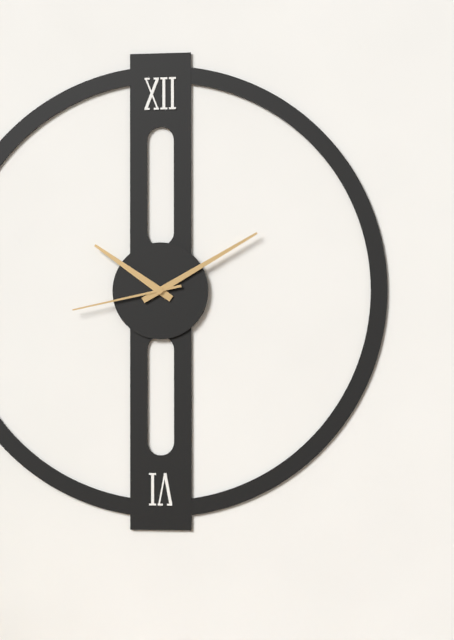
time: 10:10:43
